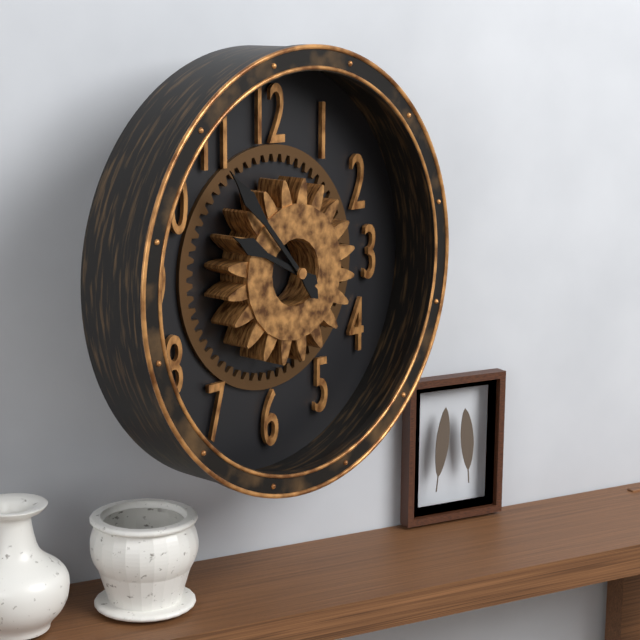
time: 9:53
